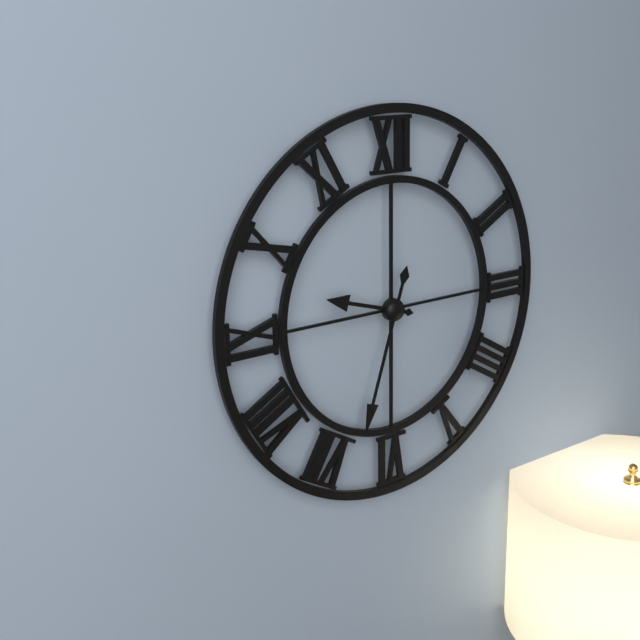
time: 9:33
